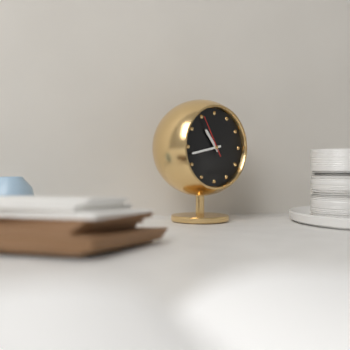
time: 10:43
